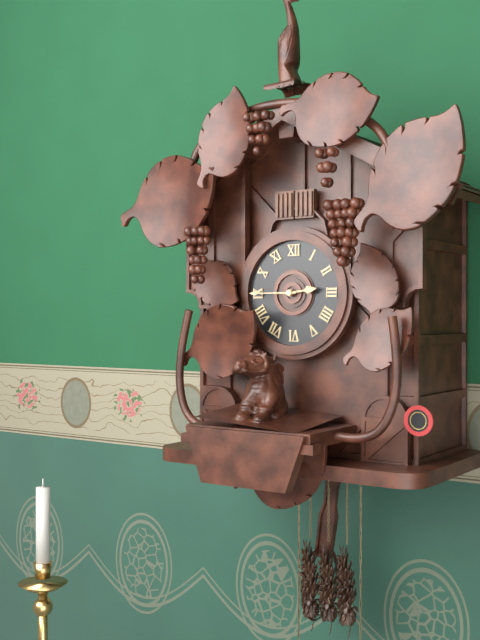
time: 2:45
